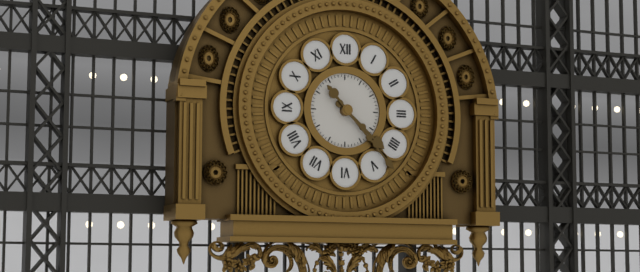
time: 4:23
